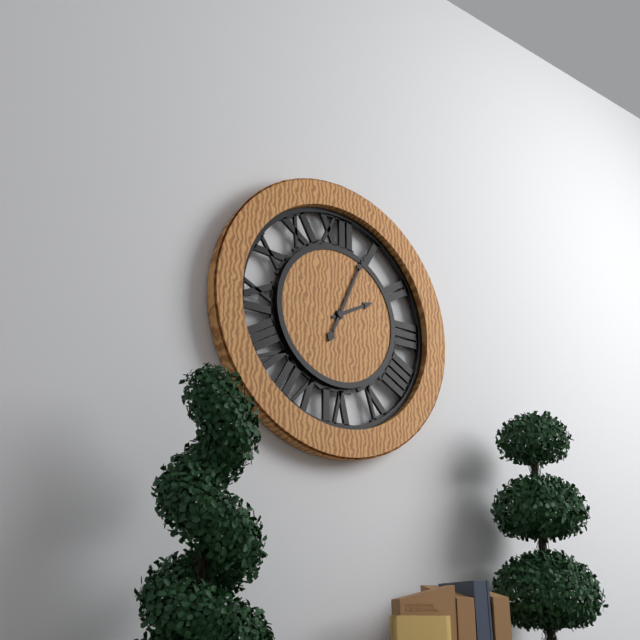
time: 2:04
